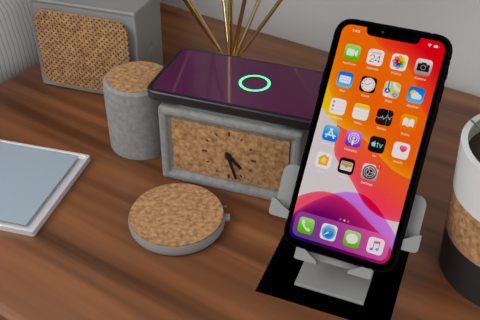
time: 4:27
